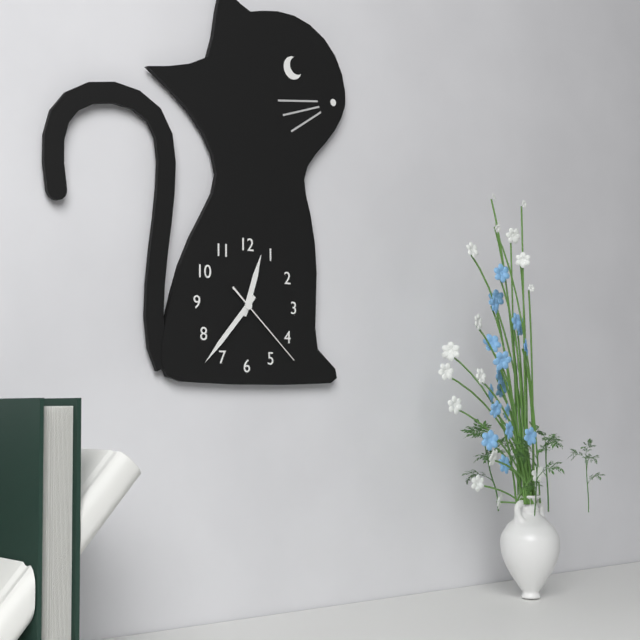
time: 12:37:22
